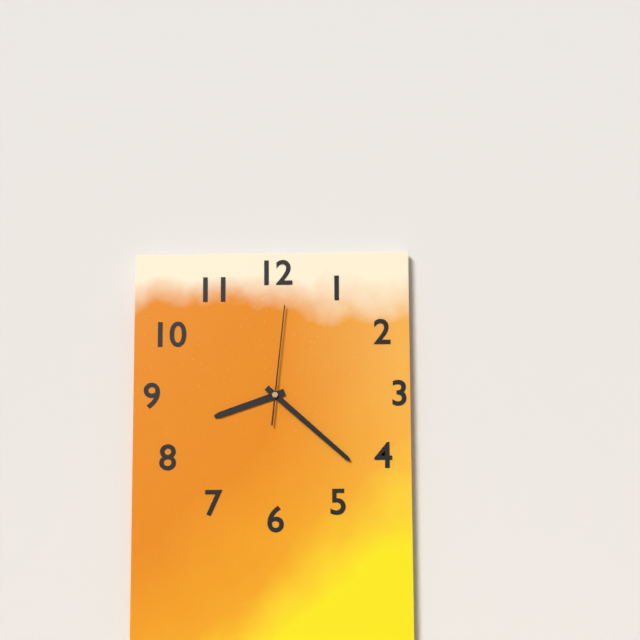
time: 8:22:01
